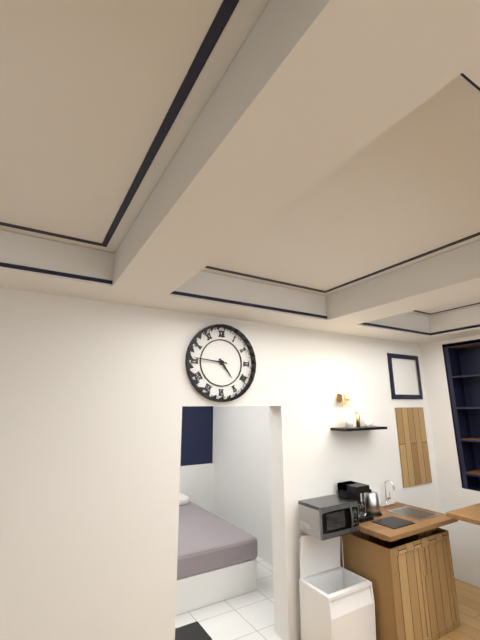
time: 4:46
